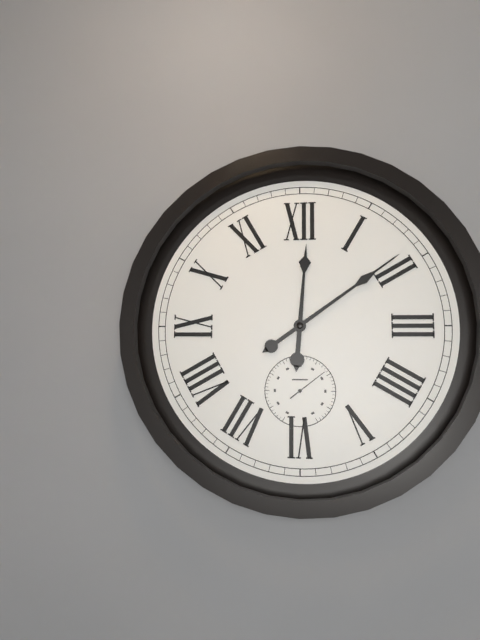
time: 12:09
